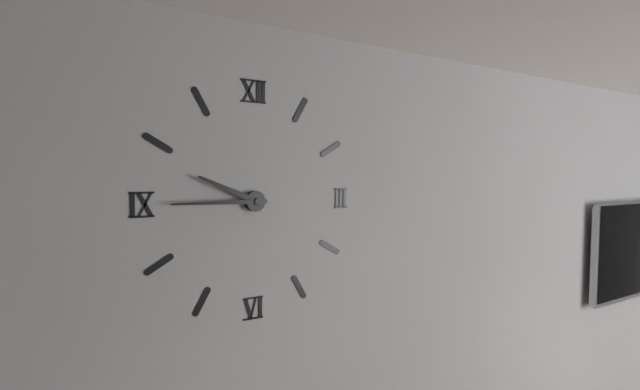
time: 9:45
